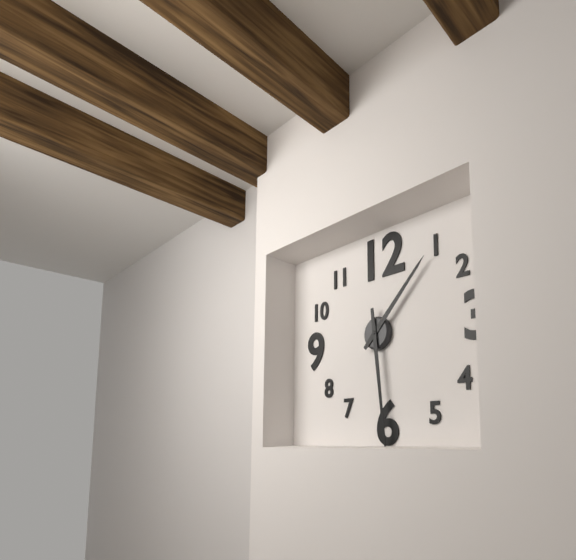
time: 1:29
